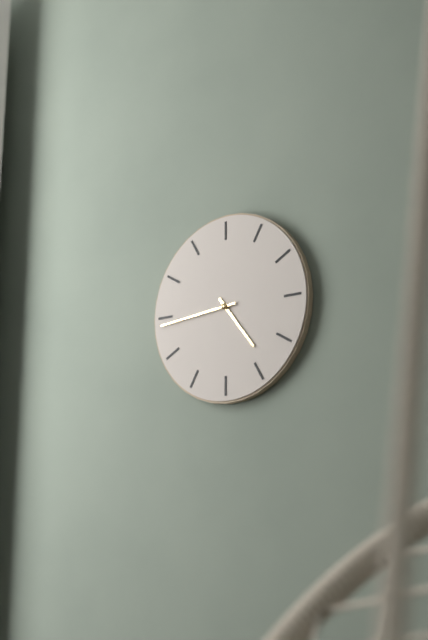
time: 4:44
